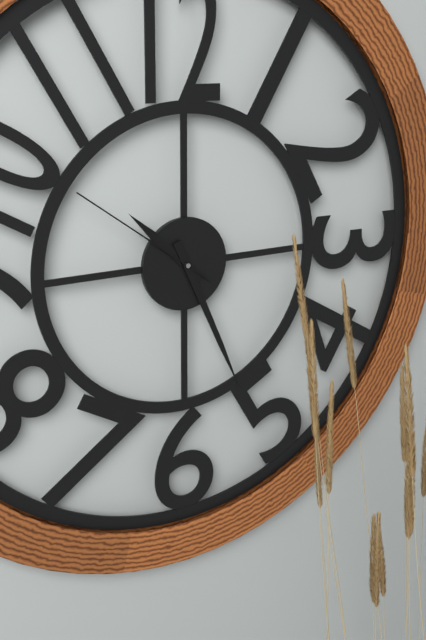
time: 10:26:51
